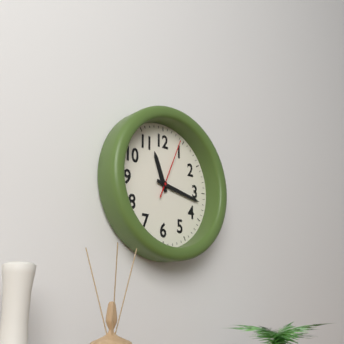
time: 11:17:04
